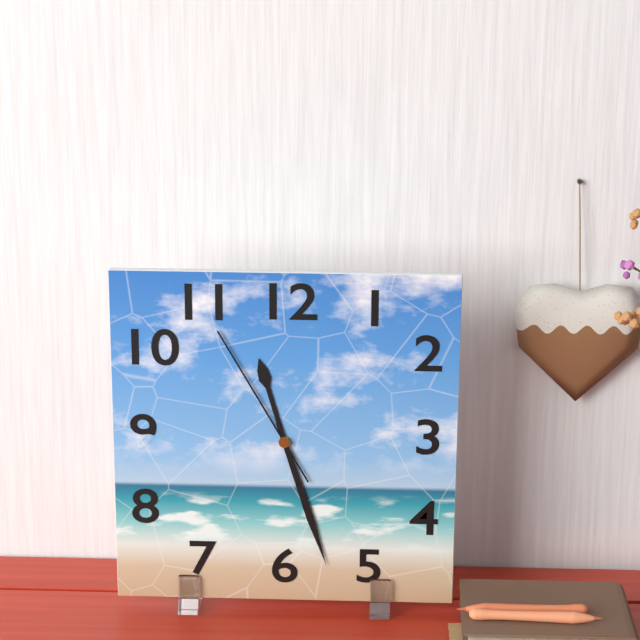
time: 11:27:55
